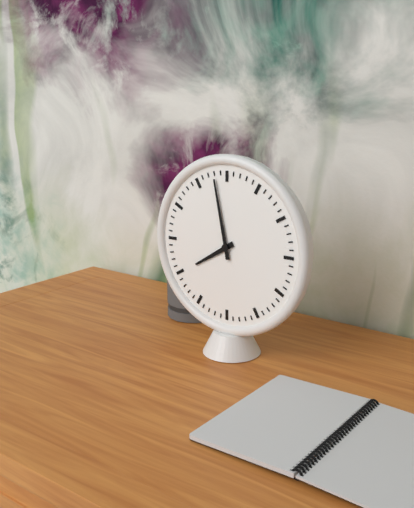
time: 7:58
